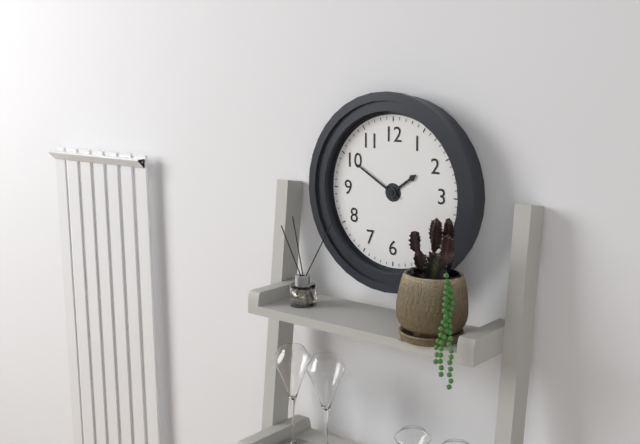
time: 1:50
